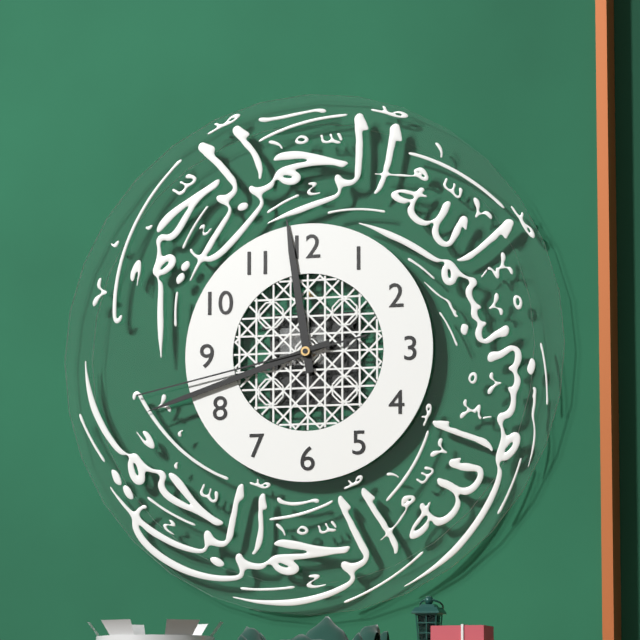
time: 11:42:43
